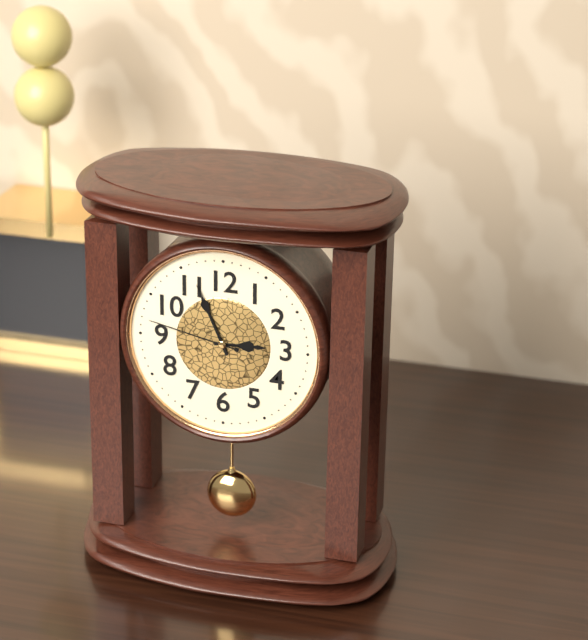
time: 2:56:47
